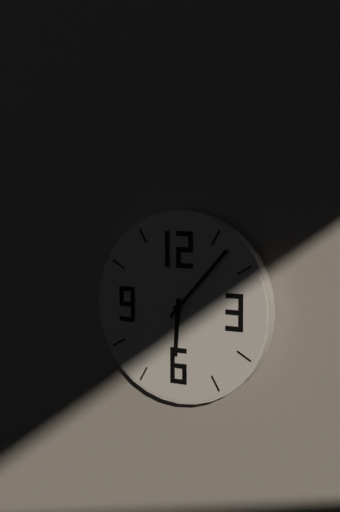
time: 6:07
